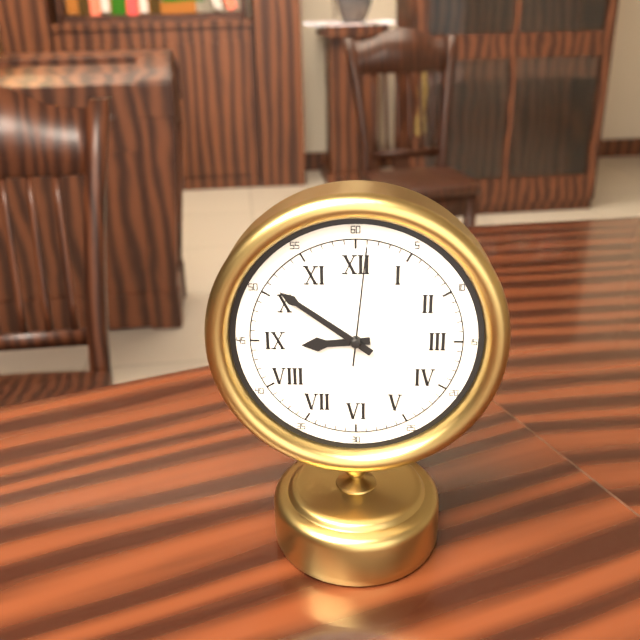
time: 8:51:01
